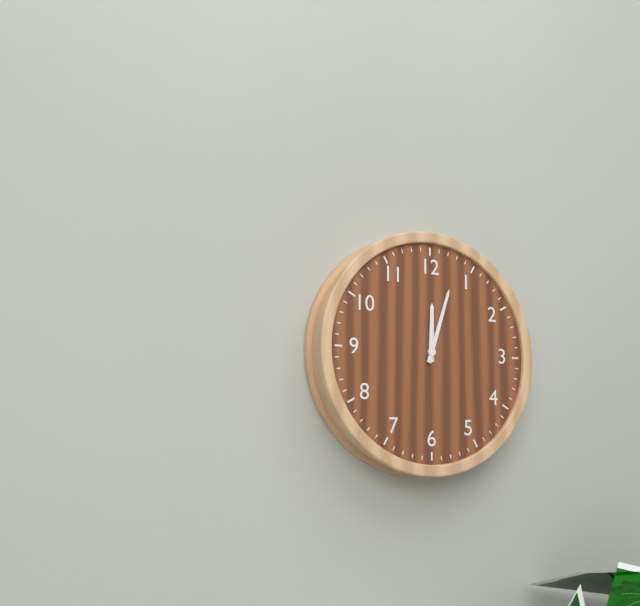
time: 12:03
